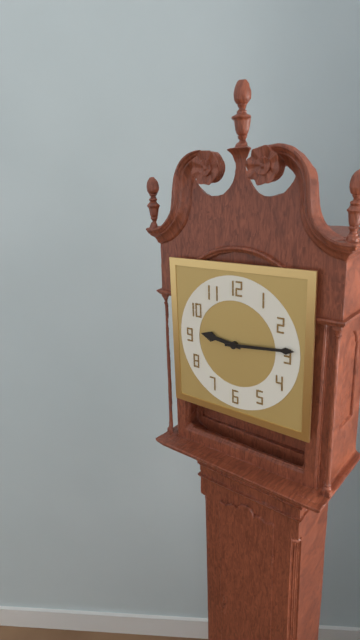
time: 9:14
